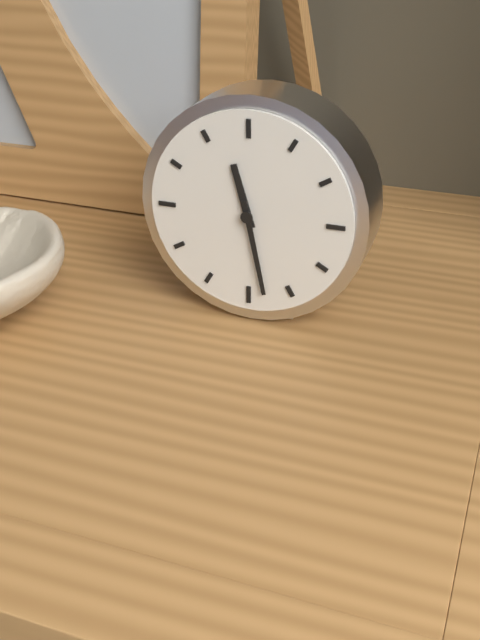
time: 11:28
